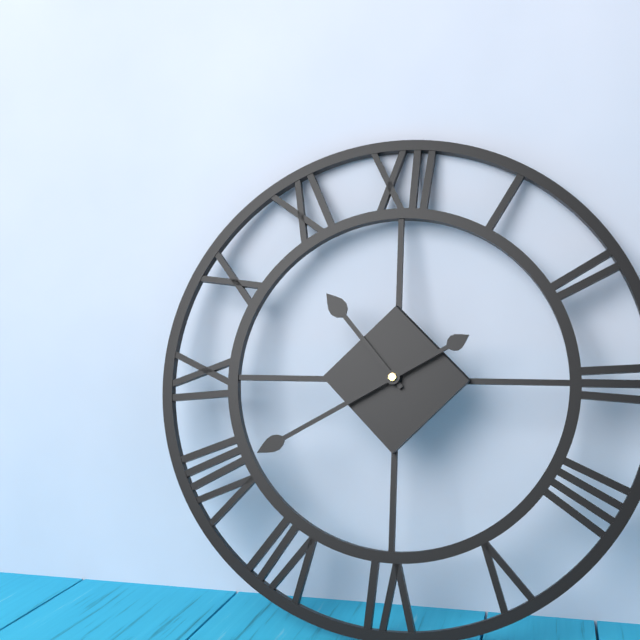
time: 10:40
